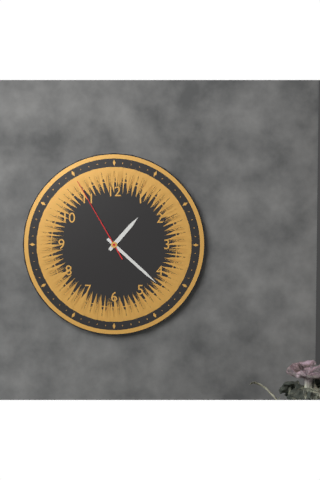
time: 1:22:55
